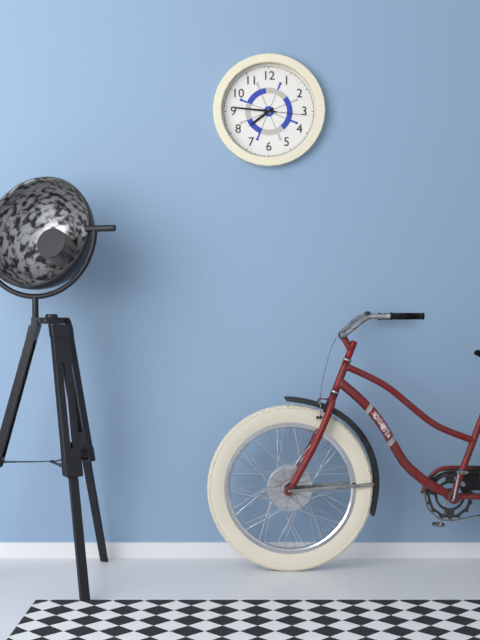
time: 7:46
